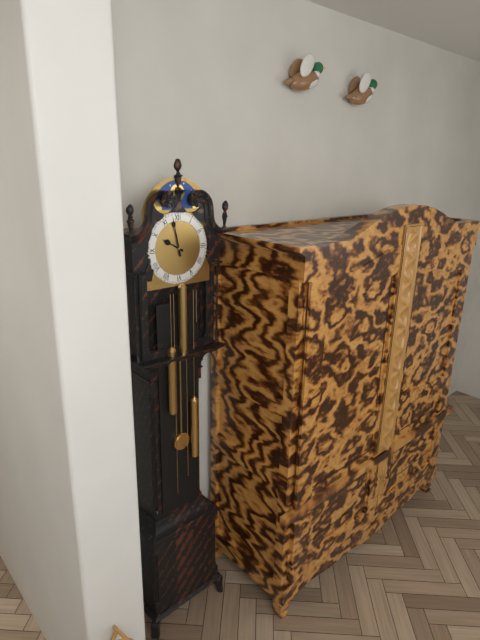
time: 9:58
